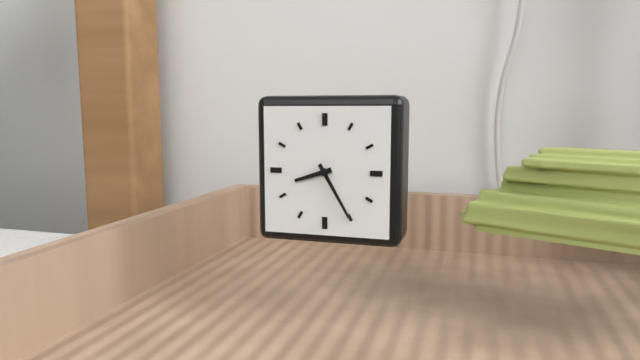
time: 8:25
